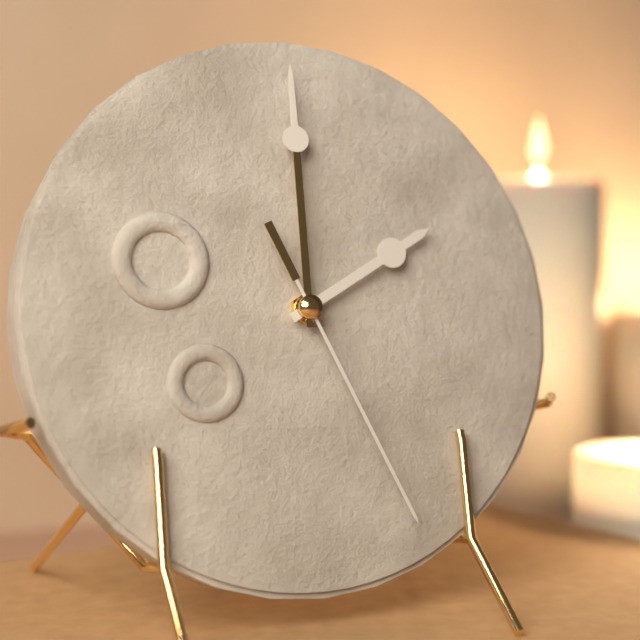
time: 2:00:26
